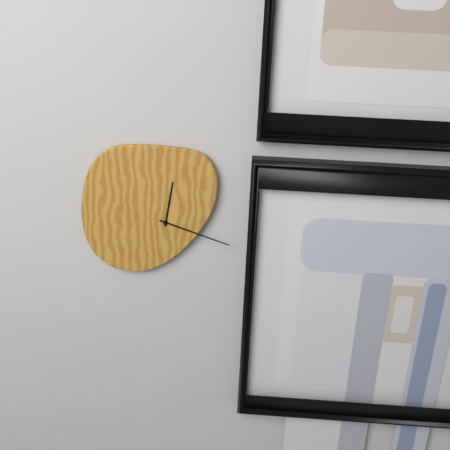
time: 12:18
